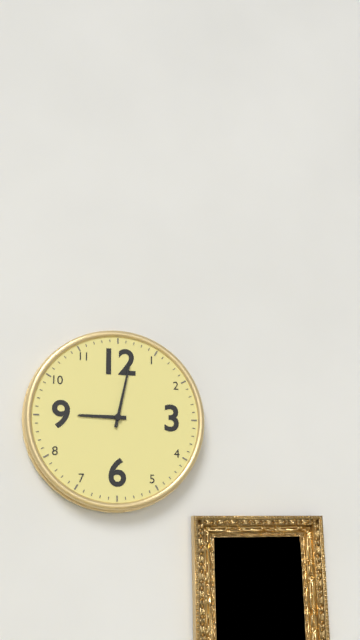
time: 9:02
